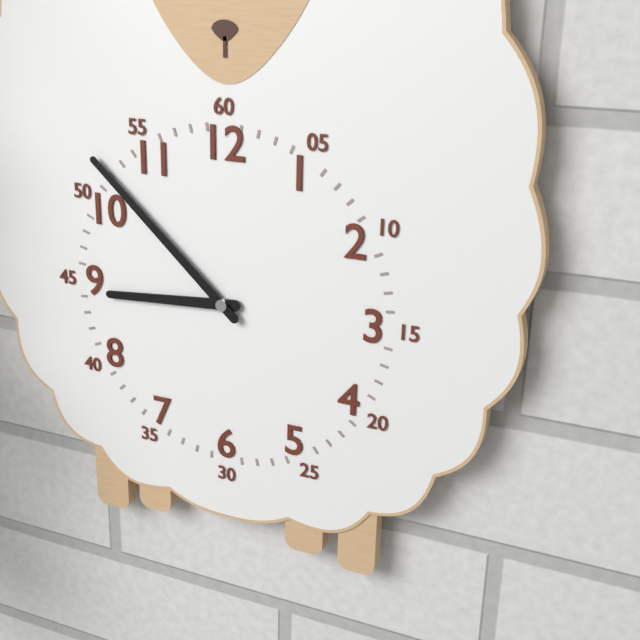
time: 8:52
